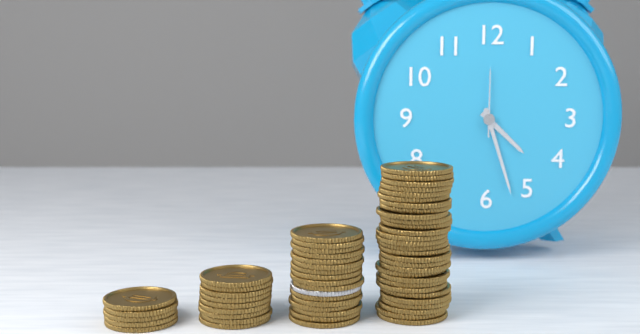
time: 4:27:00
